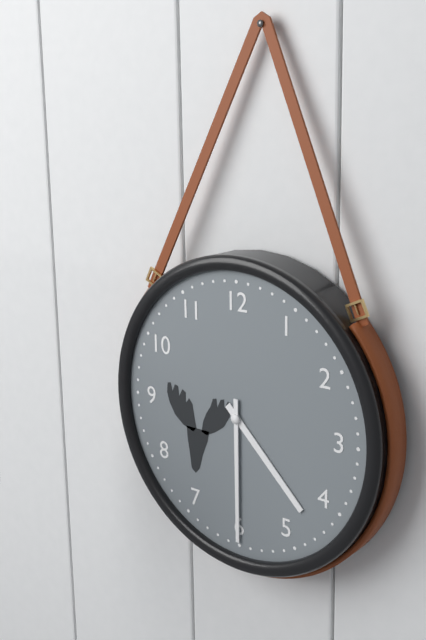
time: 4:30
